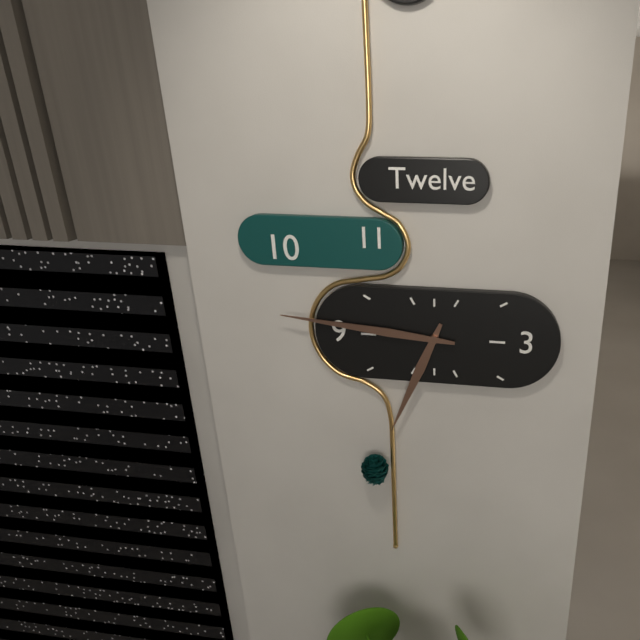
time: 6:46
